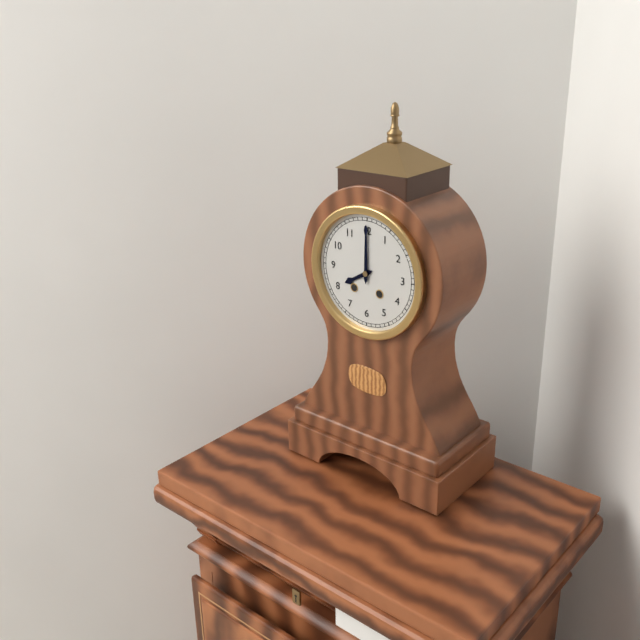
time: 8:00
